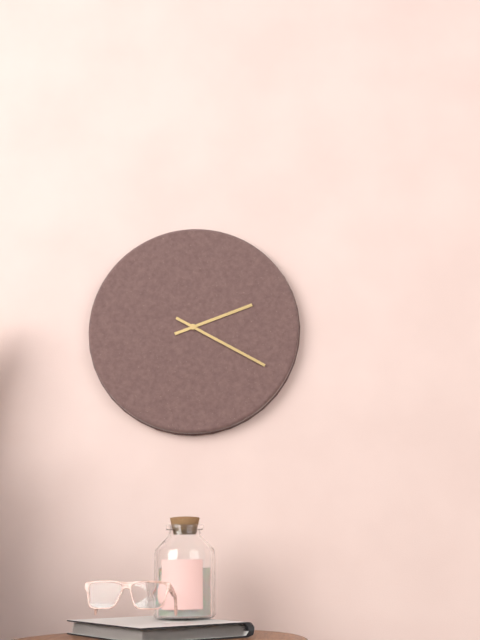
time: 2:20
